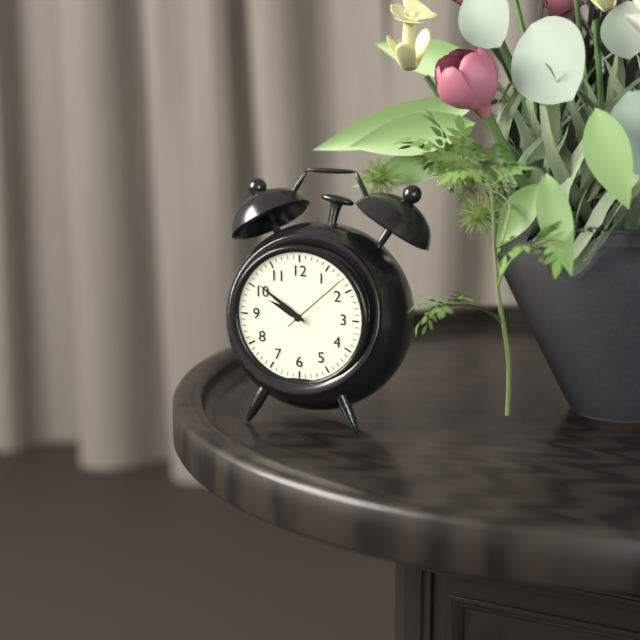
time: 9:51:08
